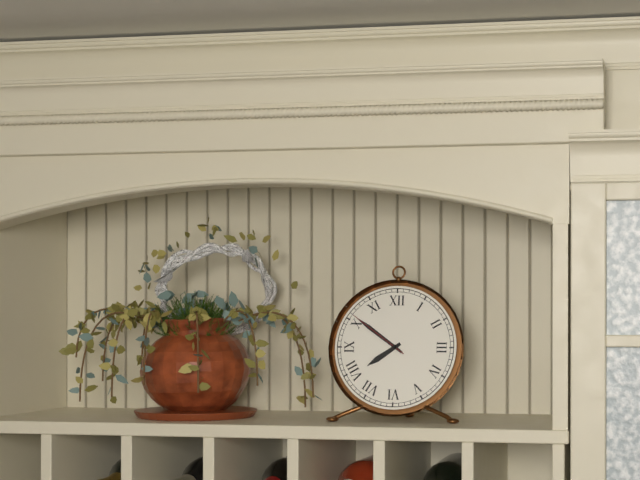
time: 7:51:51
